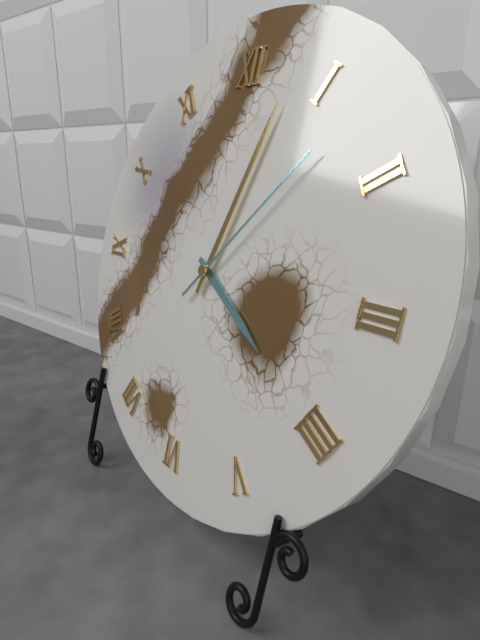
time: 4:03:07
